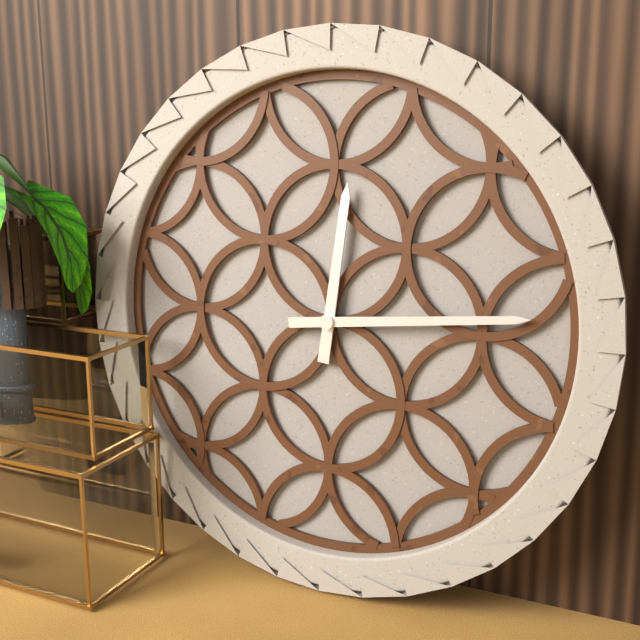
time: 12:14
